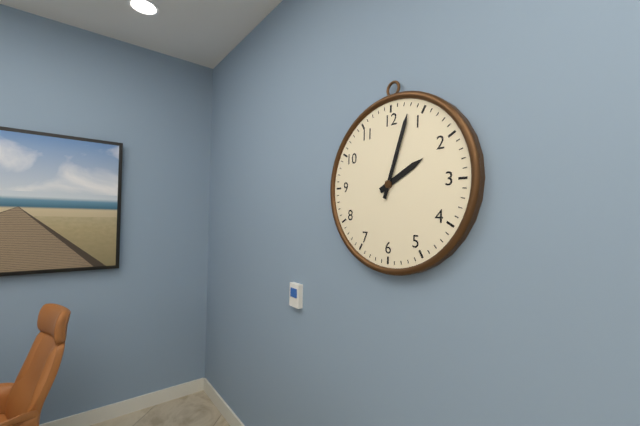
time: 2:03
